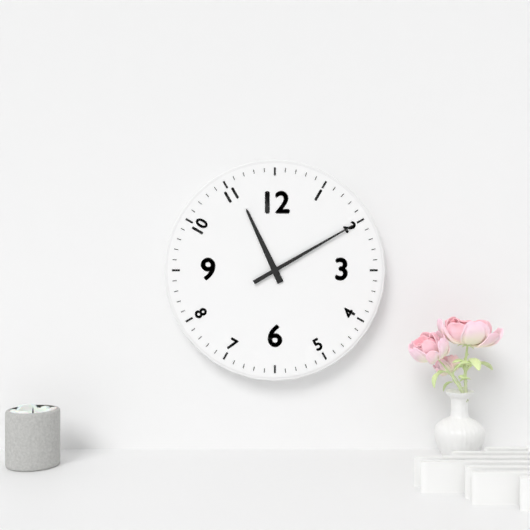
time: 11:10
